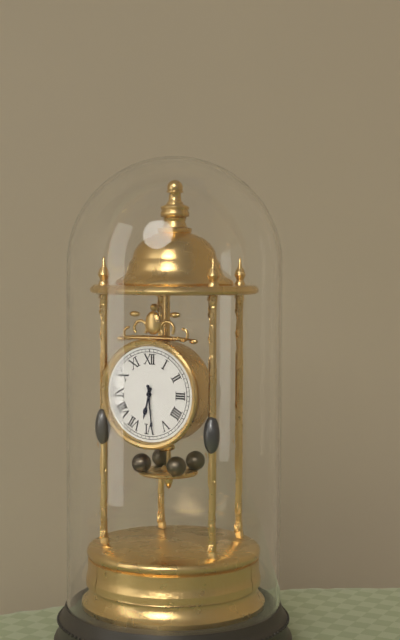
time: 6:29
